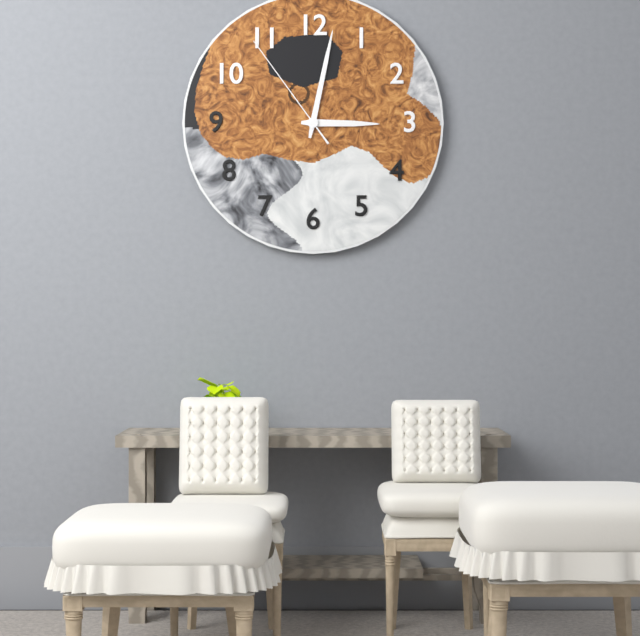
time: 3:02:54
